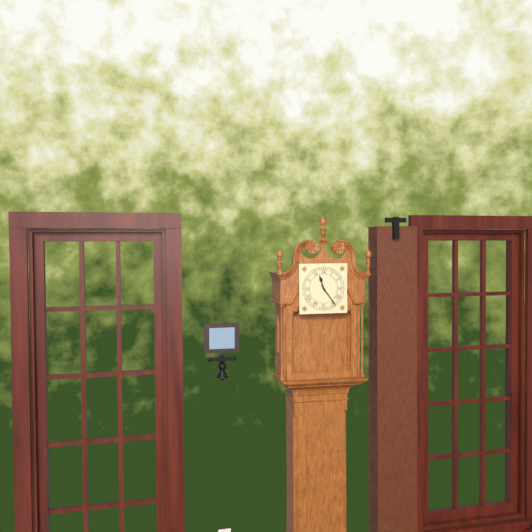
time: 11:24
